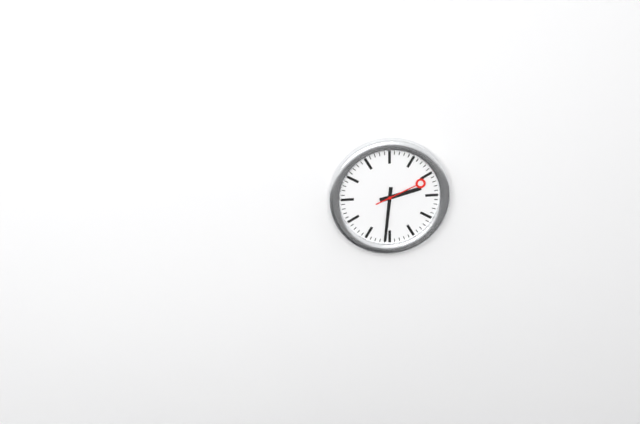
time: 2:31
